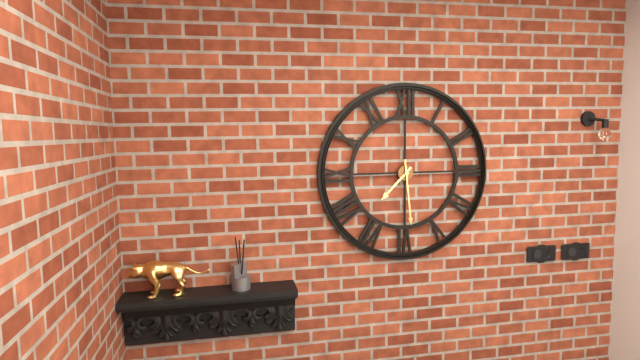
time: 7:29
